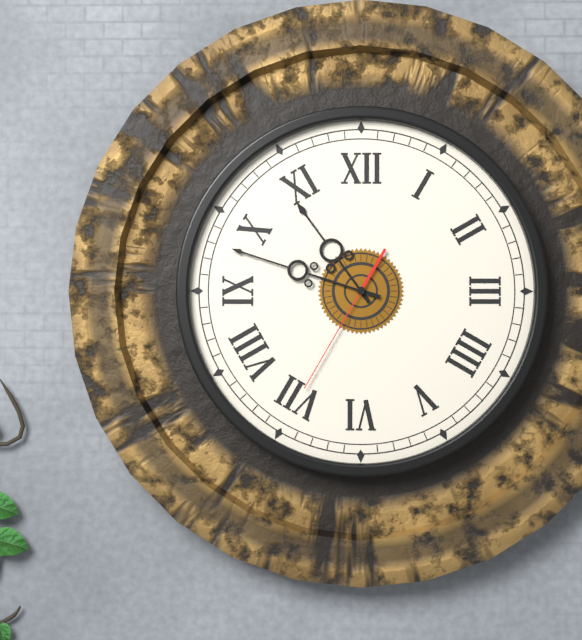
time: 10:48:35
